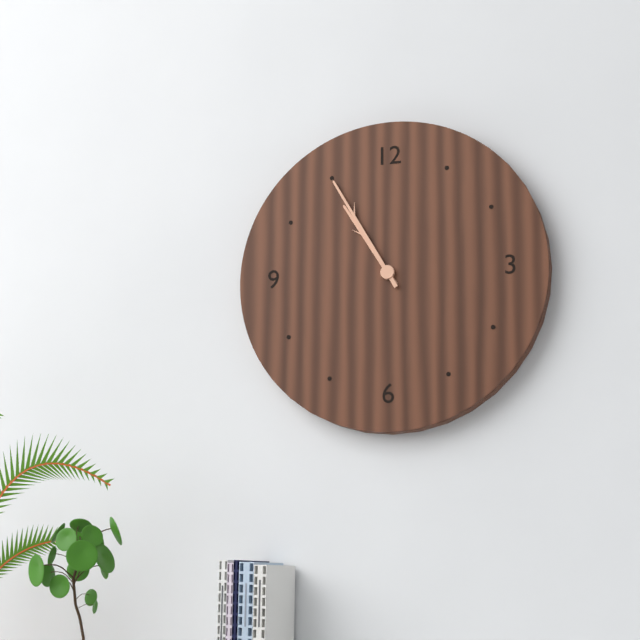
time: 10:55
